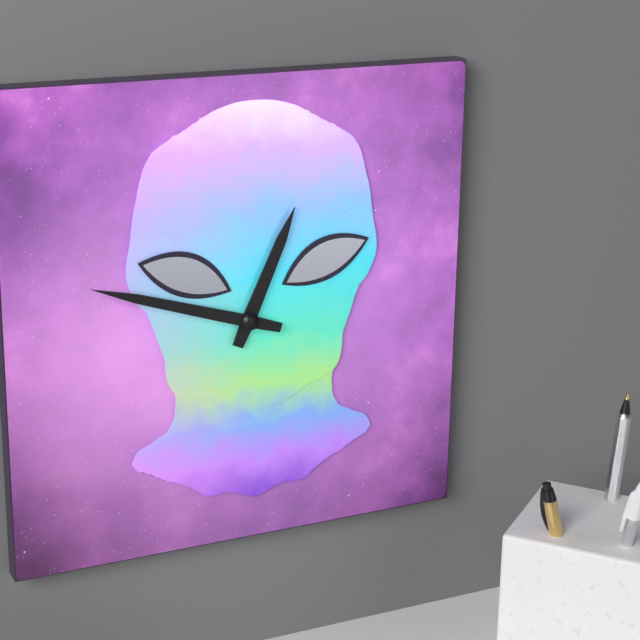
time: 12:48
